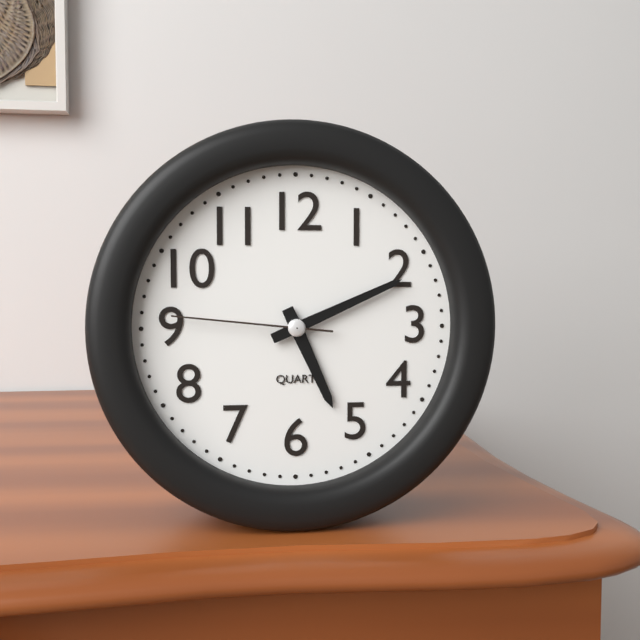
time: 5:11:46
